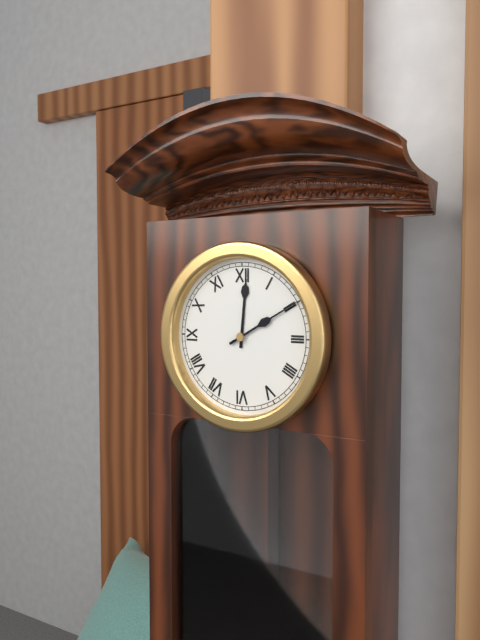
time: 12:10
